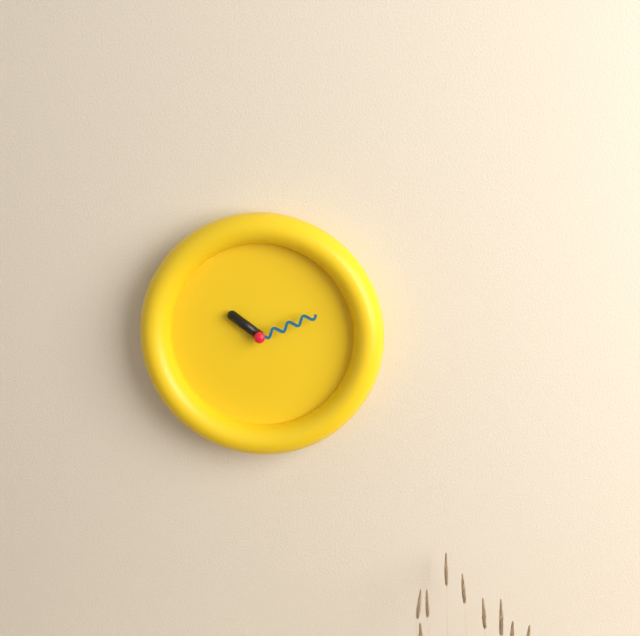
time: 10:11
